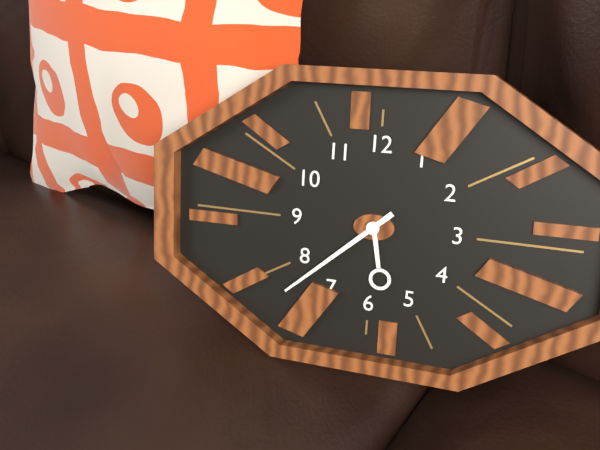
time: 5:38
